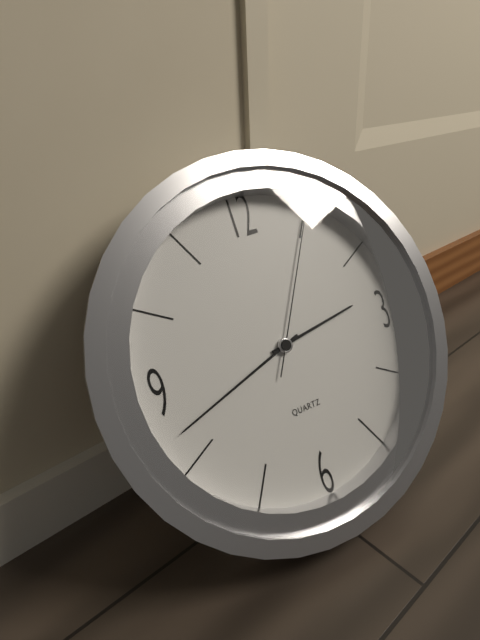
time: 2:42:05
